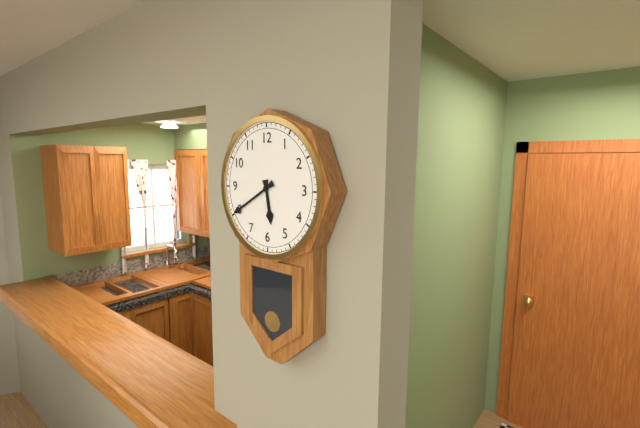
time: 5:40
